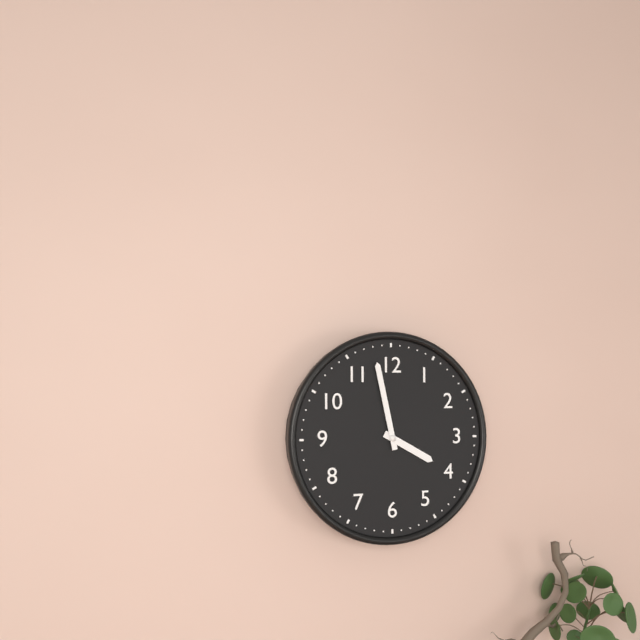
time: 3:58
